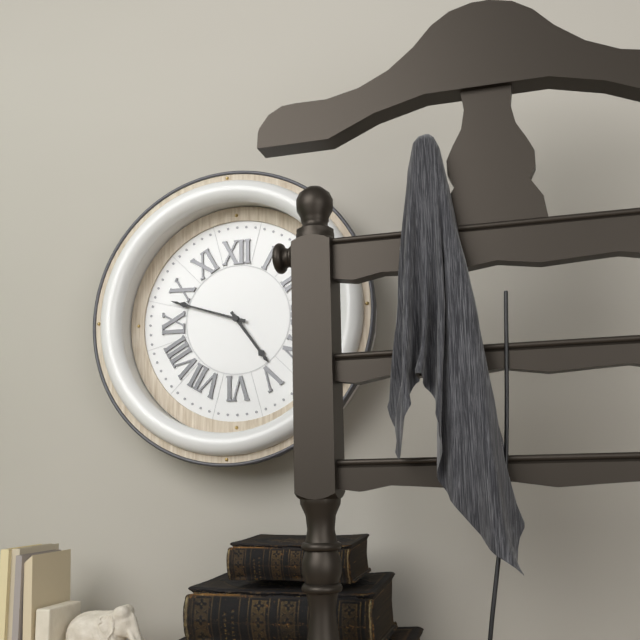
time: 4:48
